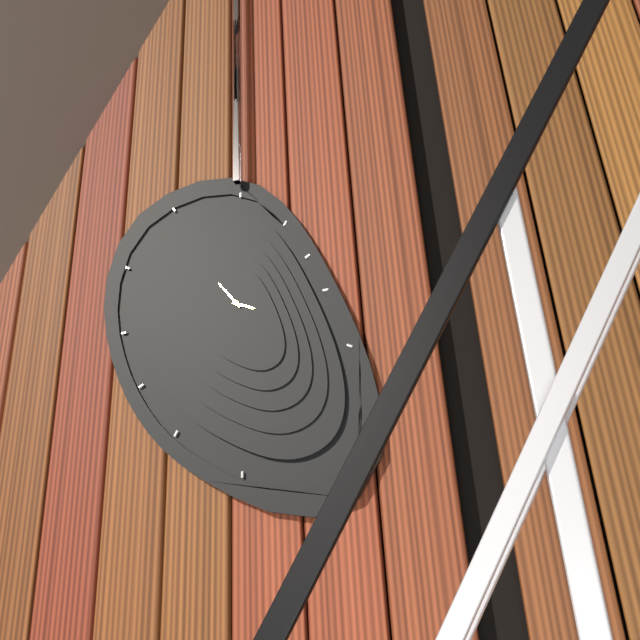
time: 3:54
